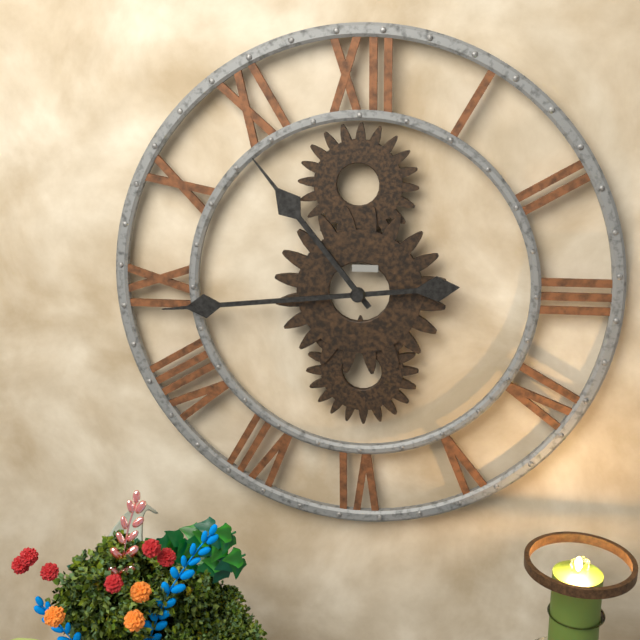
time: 10:44
